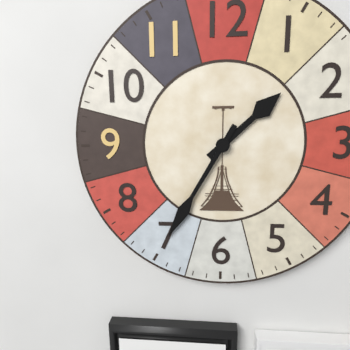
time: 1:35
